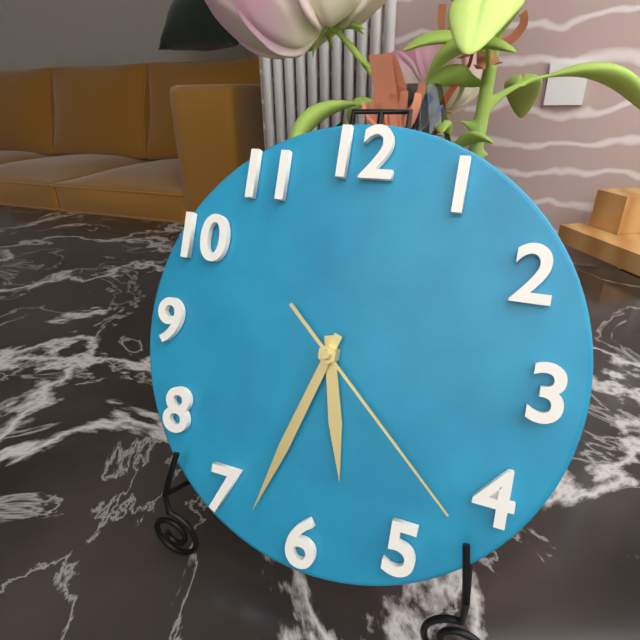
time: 5:33:22
